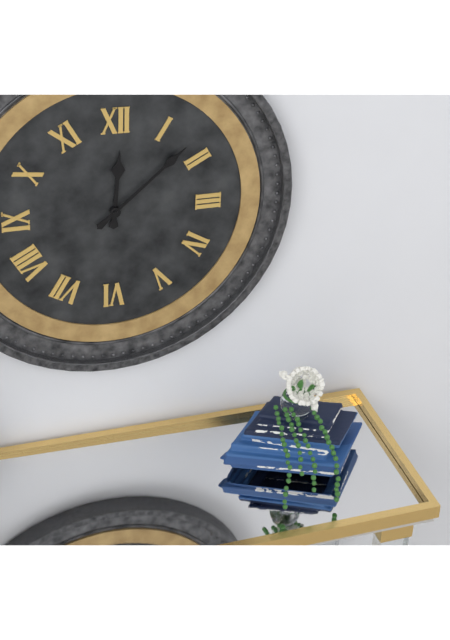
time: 12:08
